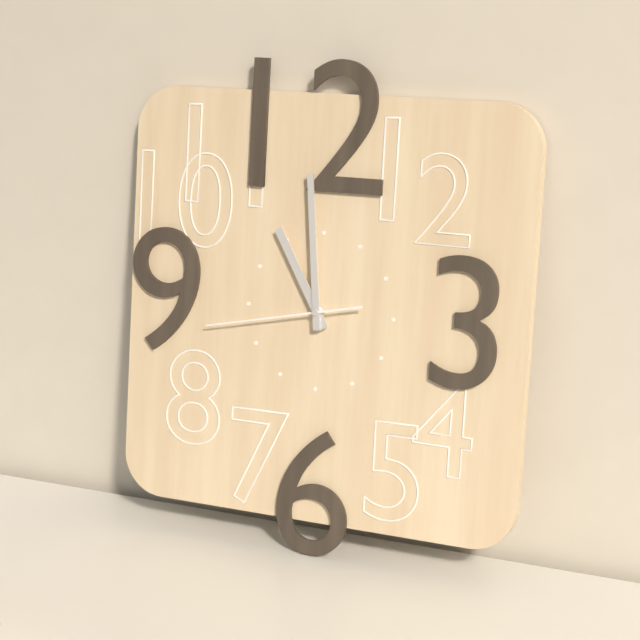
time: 10:59:43
